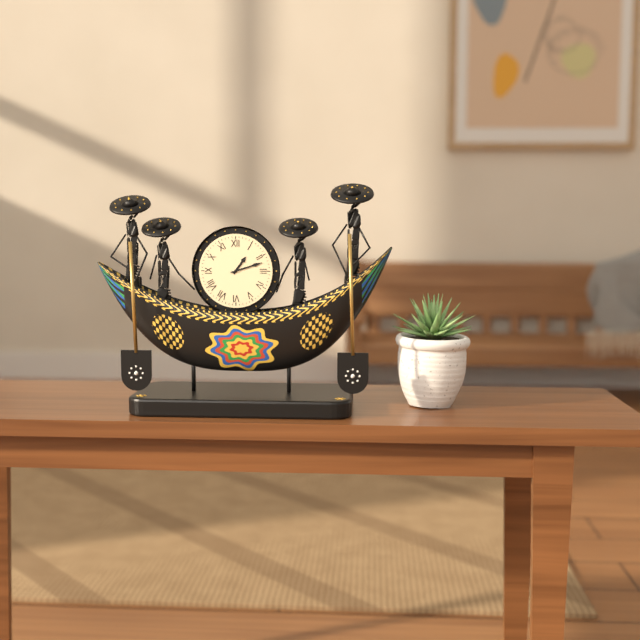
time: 1:12
